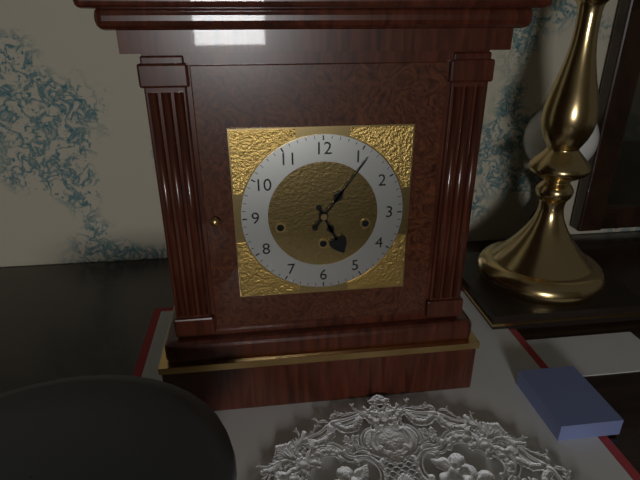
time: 5:06
